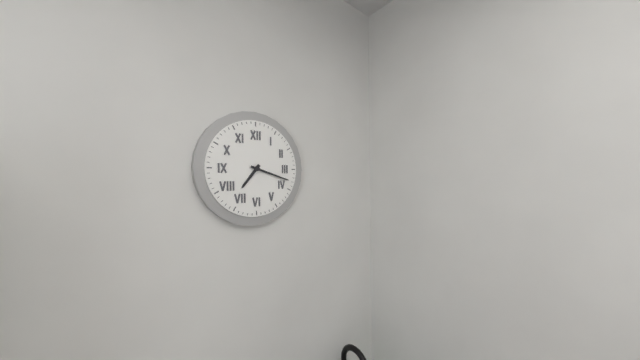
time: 7:18
